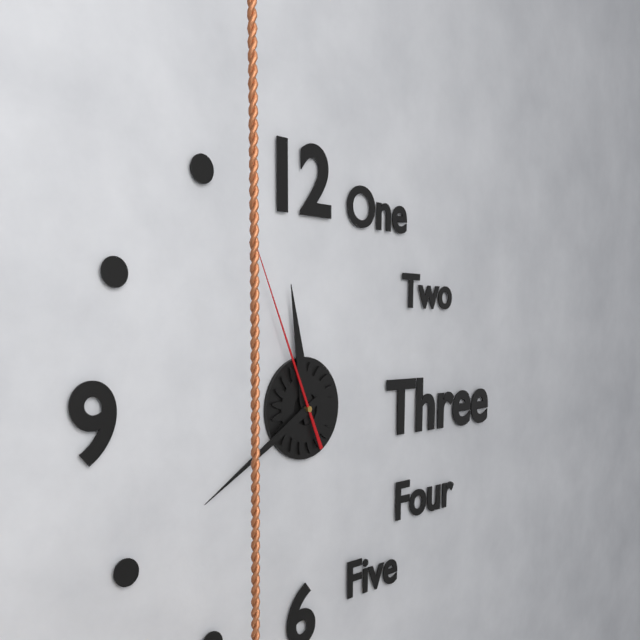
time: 11:40:56
